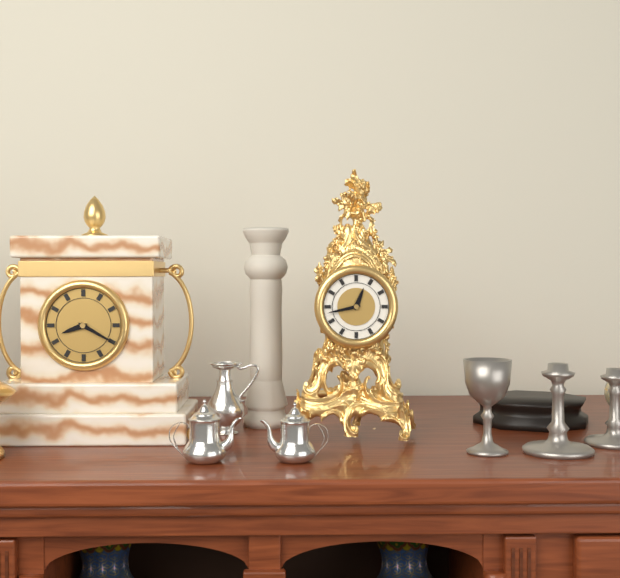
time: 12:43
